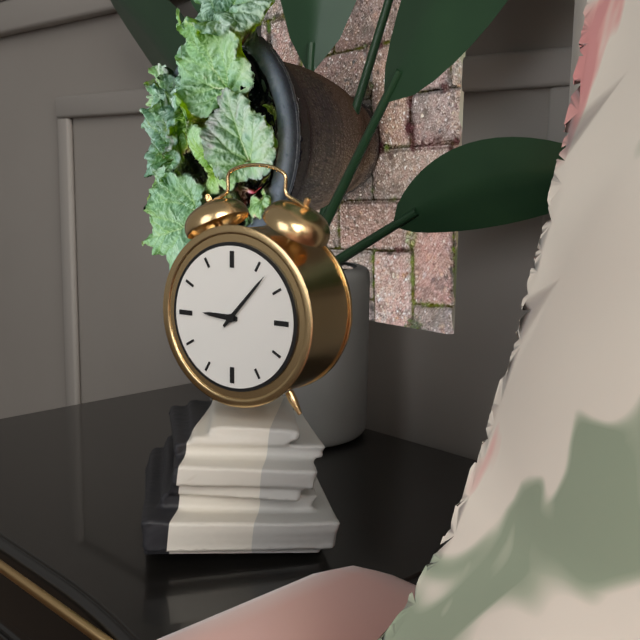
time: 9:07
